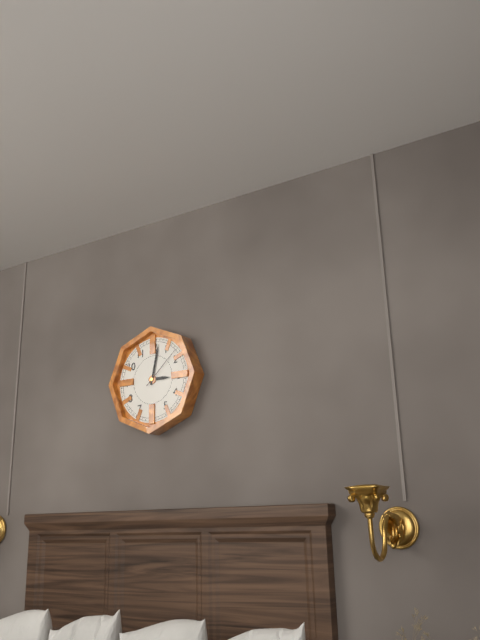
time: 3:02
